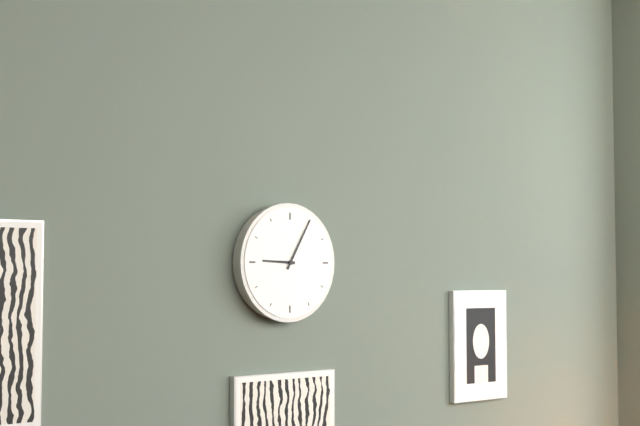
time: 9:05
